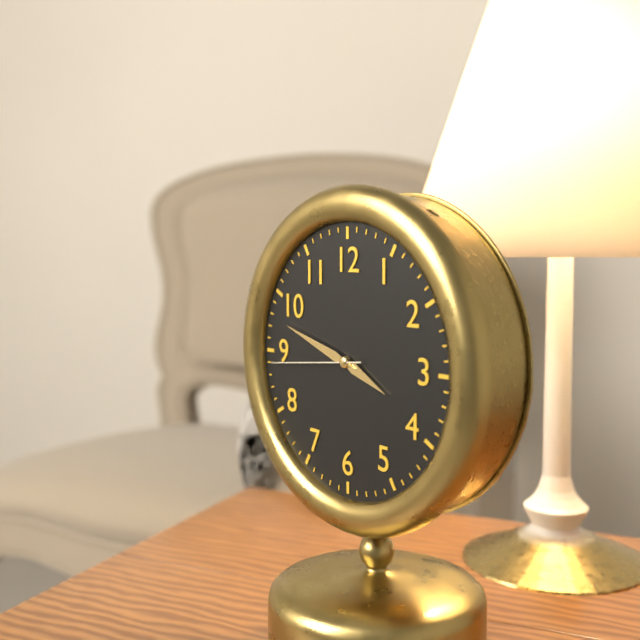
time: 3:48:44
